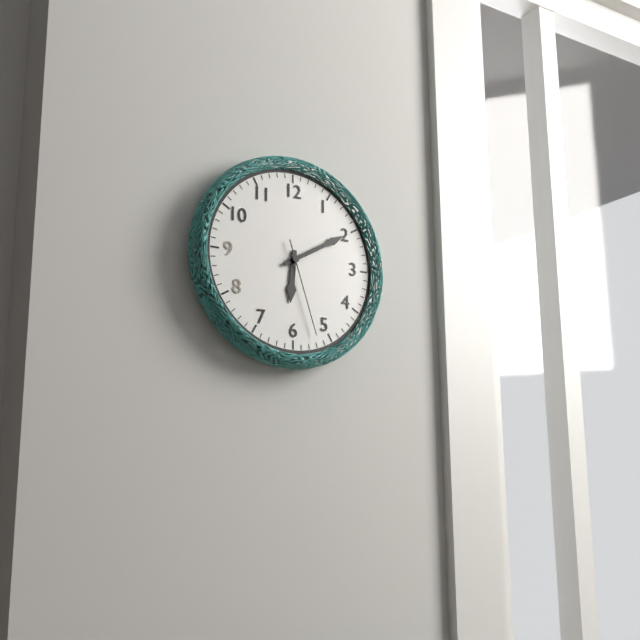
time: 6:10:27
